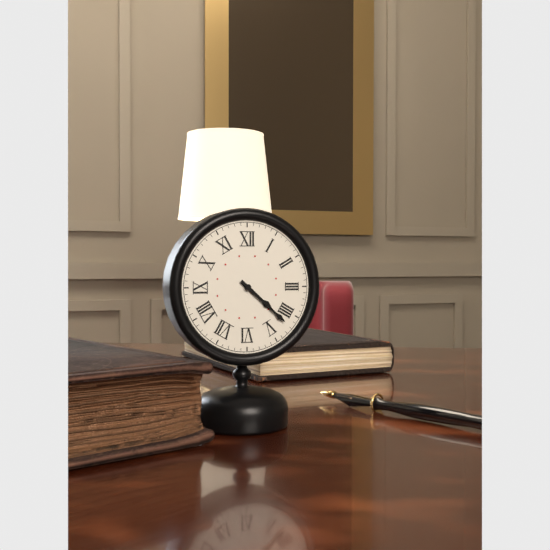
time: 4:22
